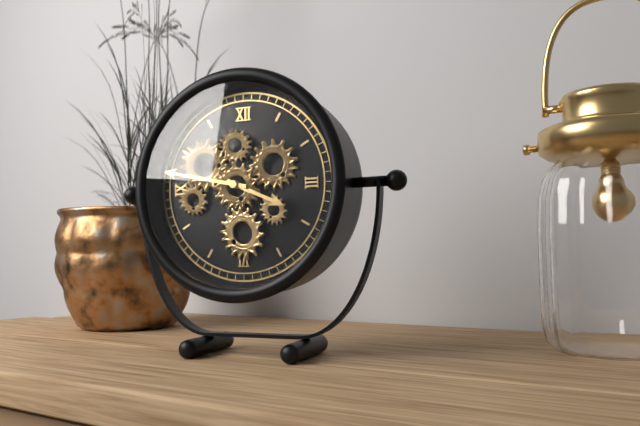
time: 3:47
